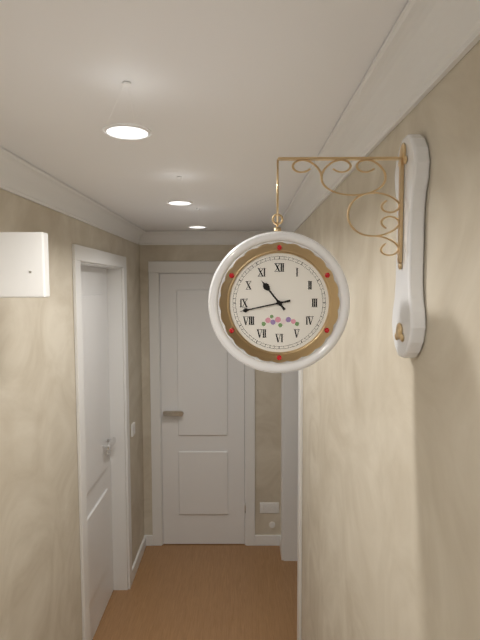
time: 10:43
